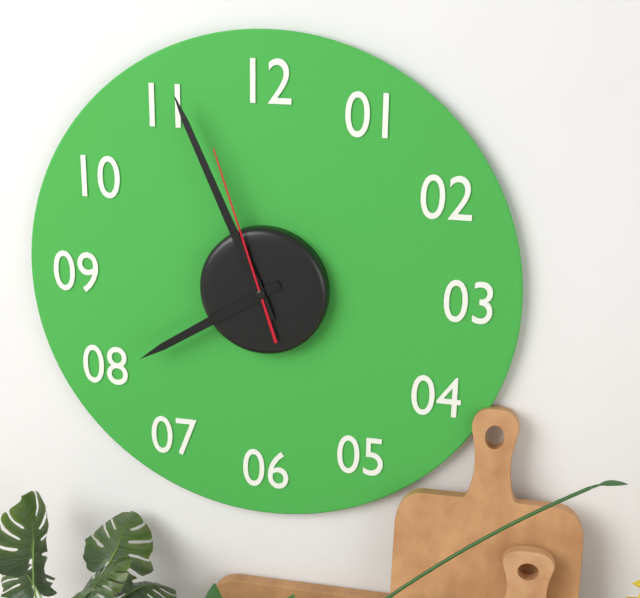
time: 7:56:57
